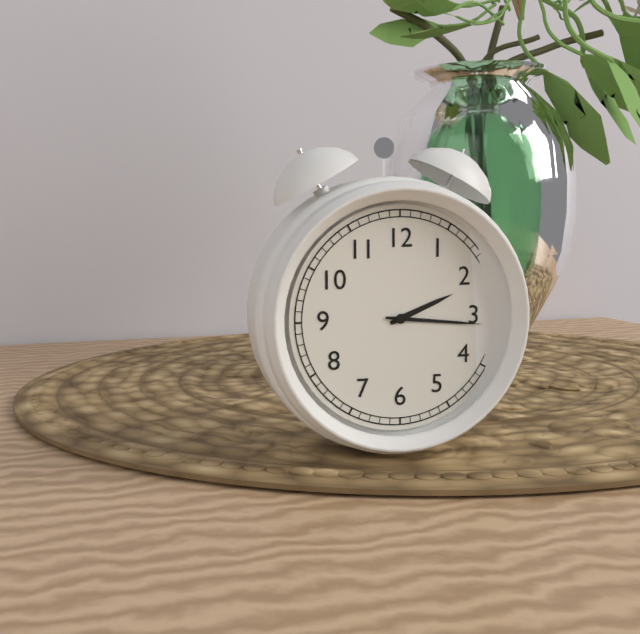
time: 2:16
